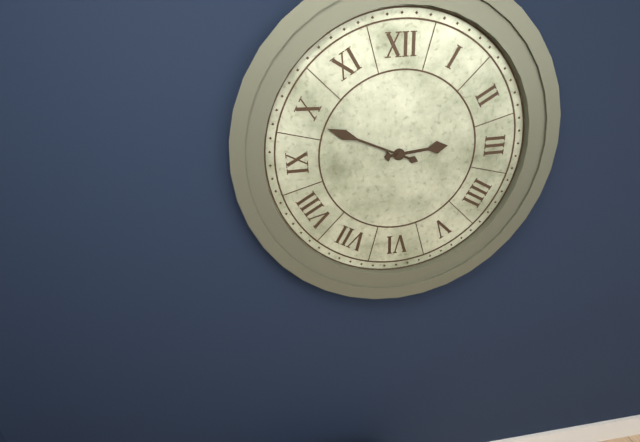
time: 2:49
